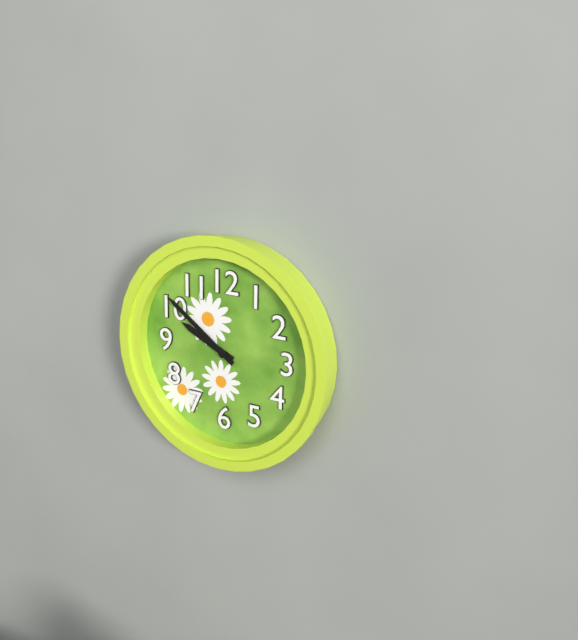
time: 9:51
